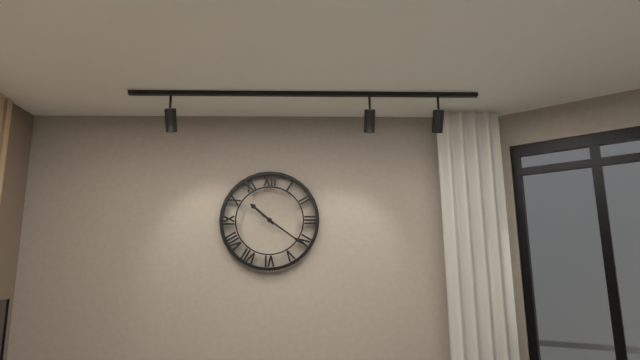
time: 10:21
